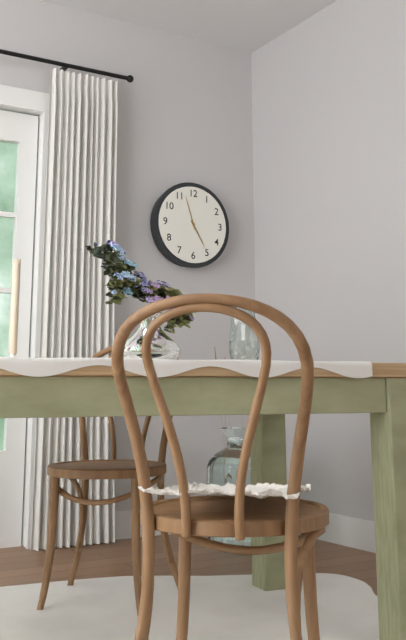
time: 4:57
